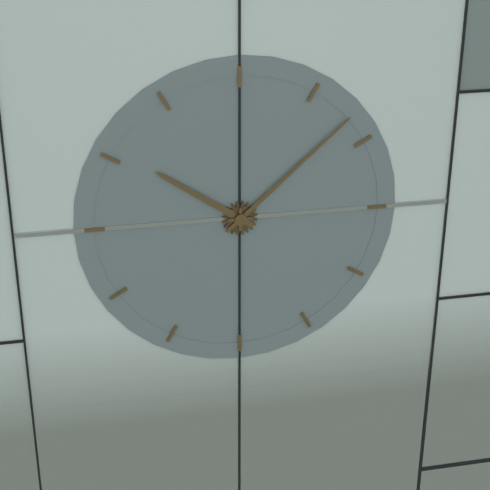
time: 10:08
